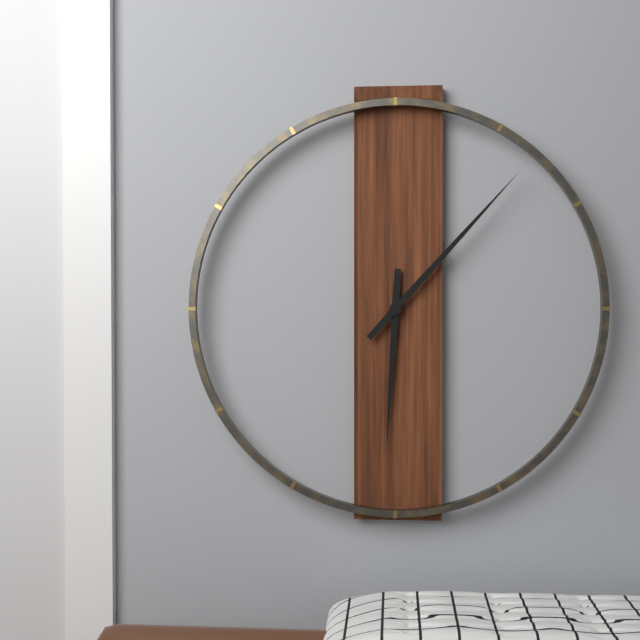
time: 6:07
